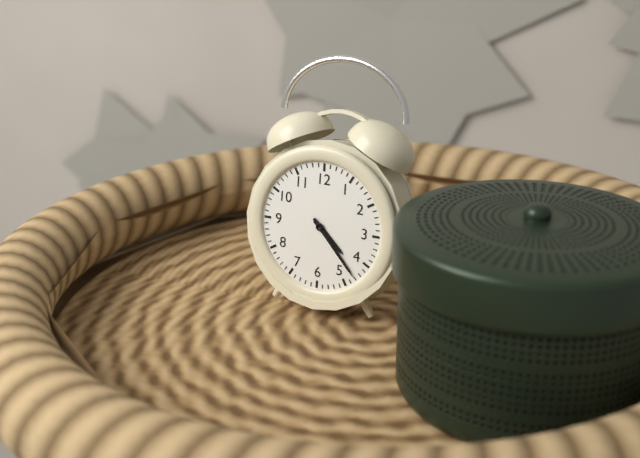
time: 4:23
